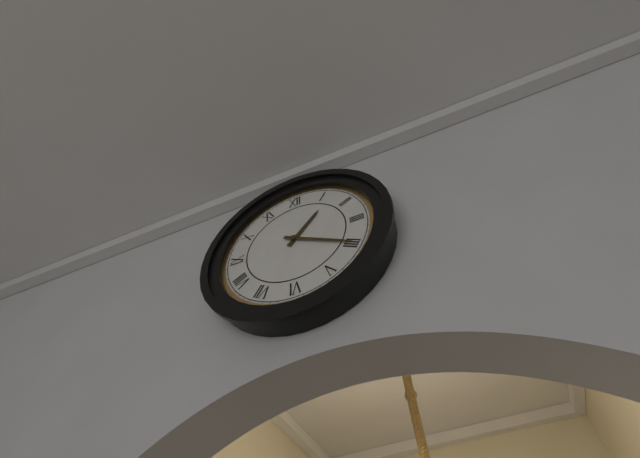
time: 1:20
